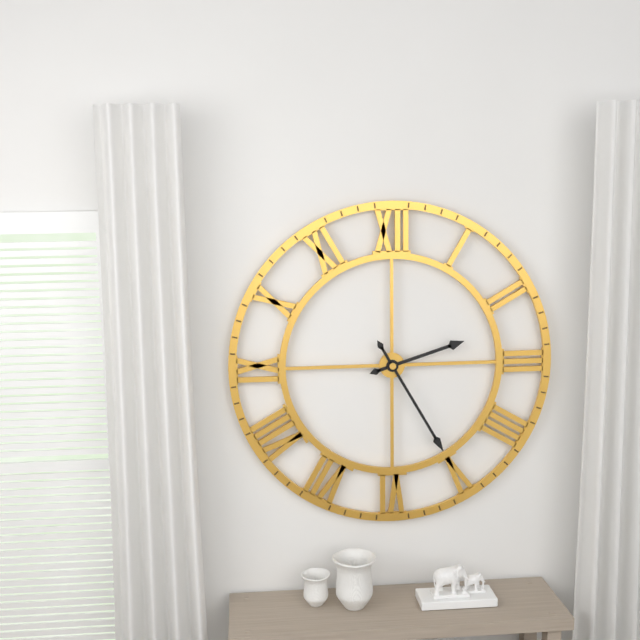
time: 2:25
